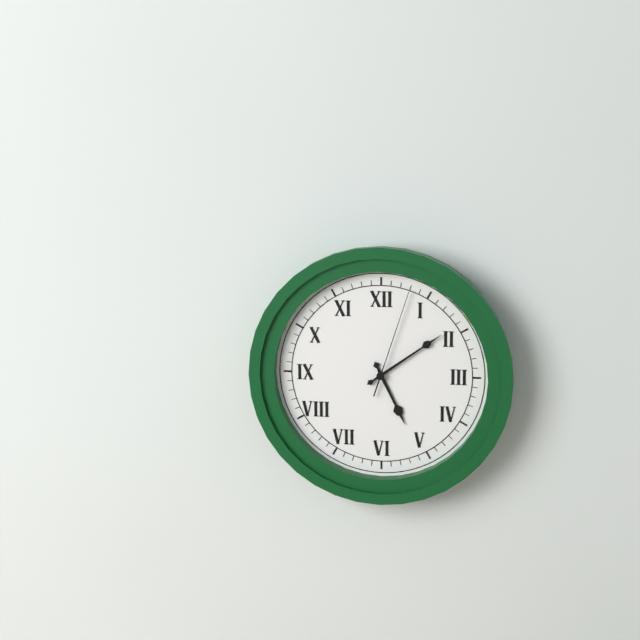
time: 5:09:03
